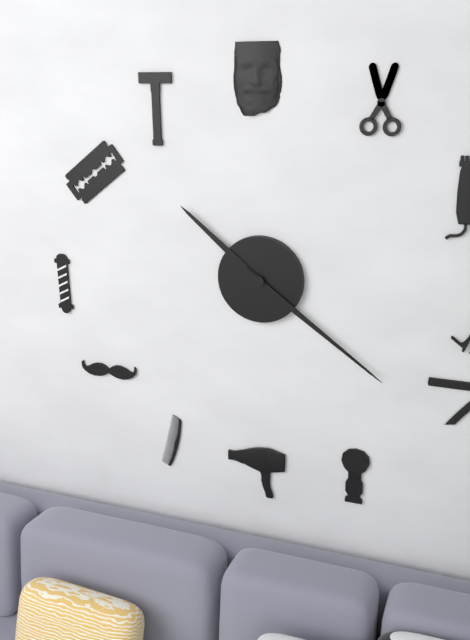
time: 10:21
